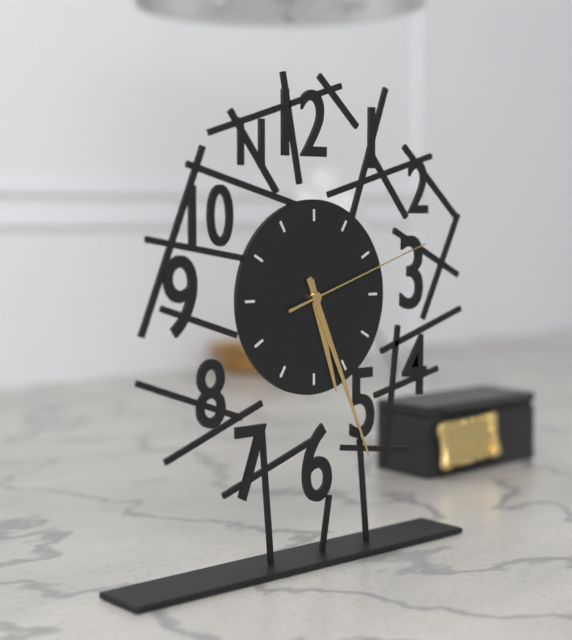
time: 5:26:12
